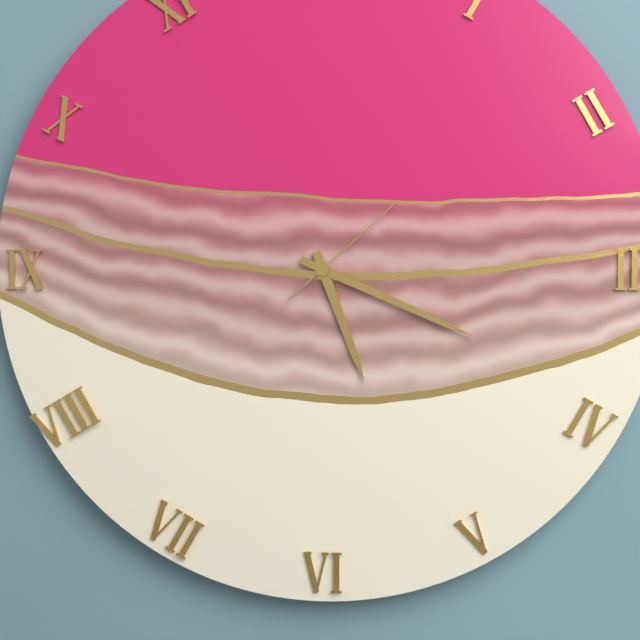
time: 5:19:08
